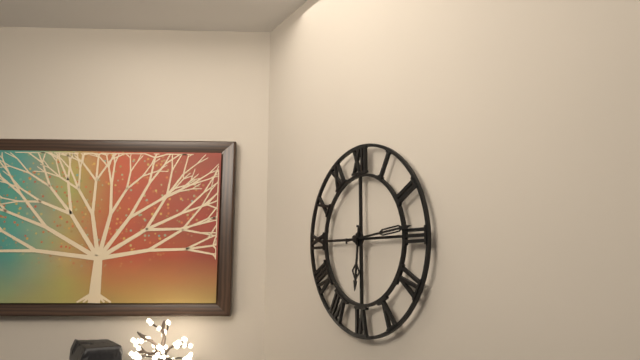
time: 6:14
